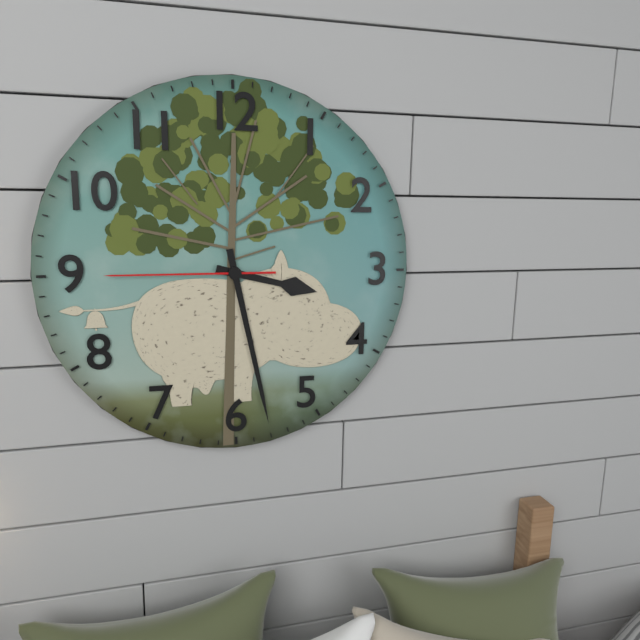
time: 3:28:45
